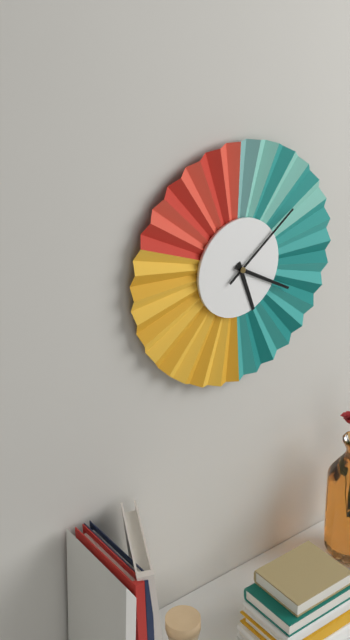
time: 5:20:09
